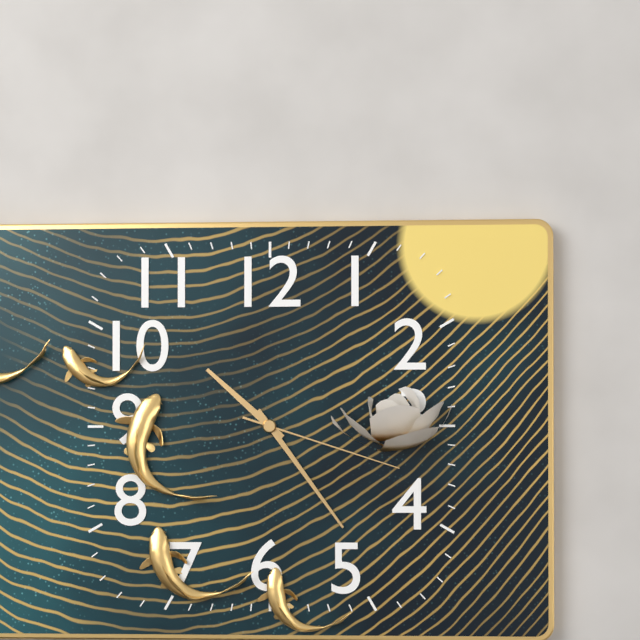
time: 10:24:18
